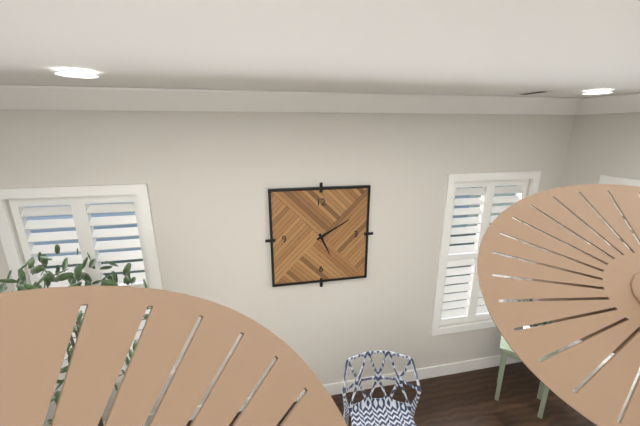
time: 5:10
